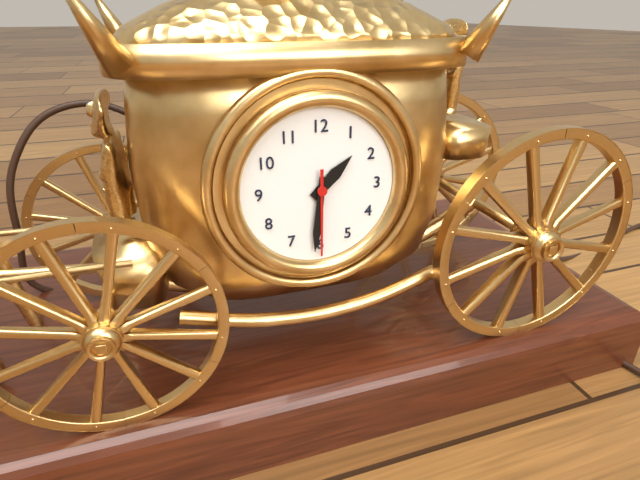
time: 1:31:30
